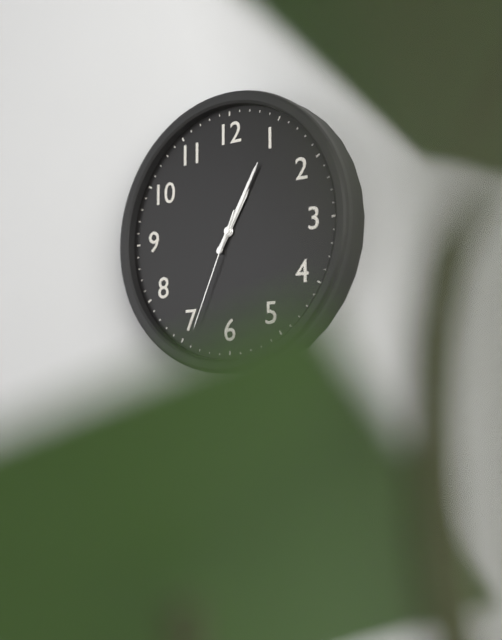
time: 1:05:34
